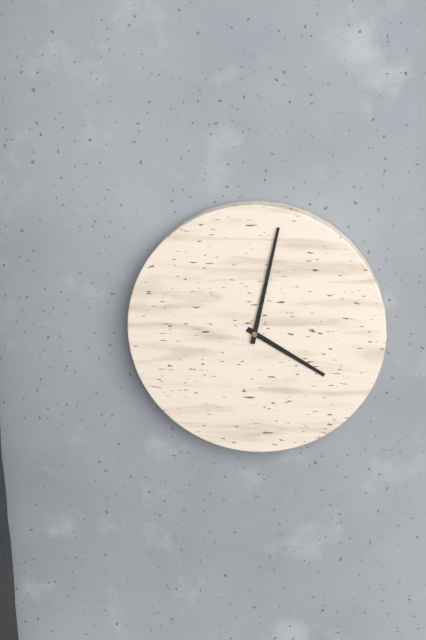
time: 4:02
